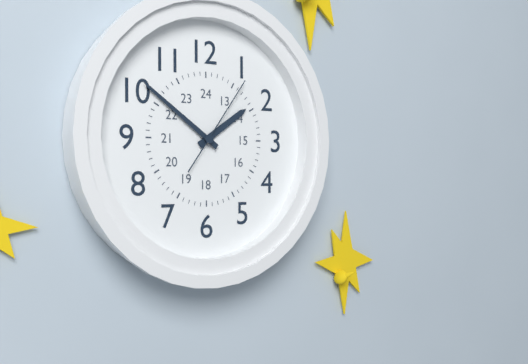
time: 1:51:06
